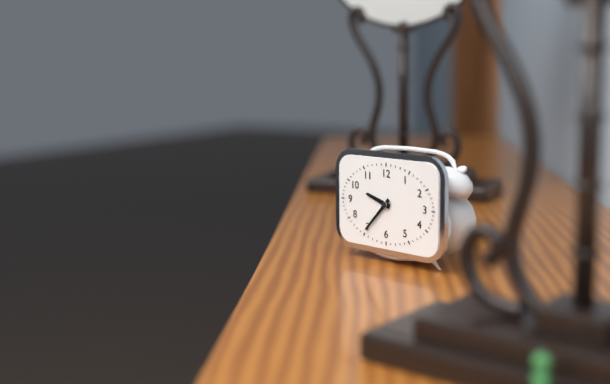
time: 9:37
